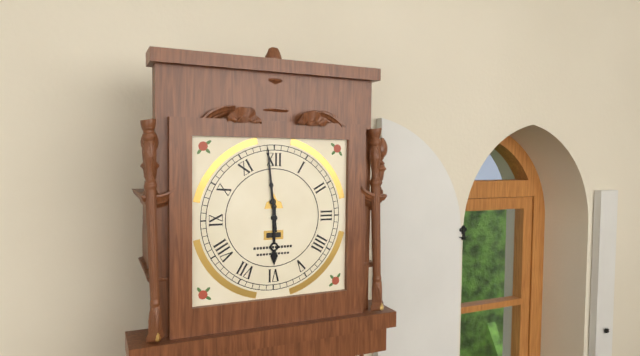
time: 5:59
